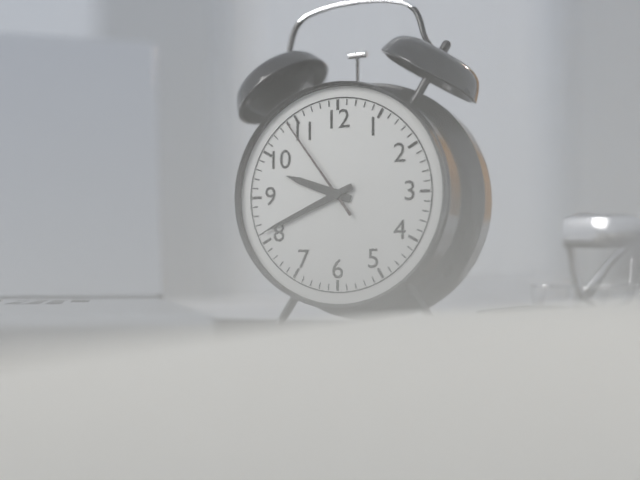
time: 9:41:54
